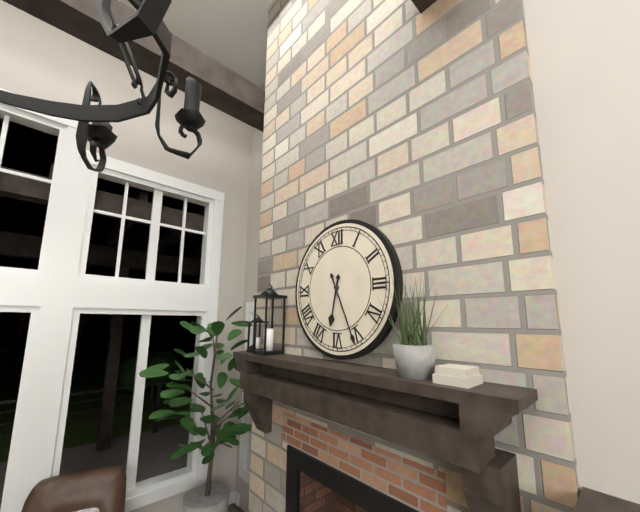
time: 6:26
